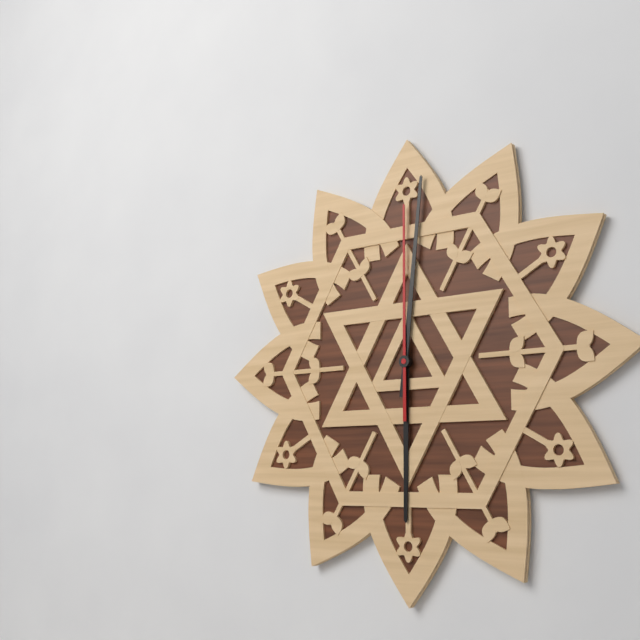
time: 6:01:00
